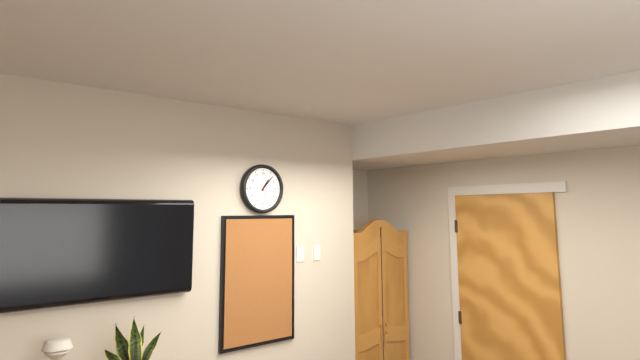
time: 1:07
